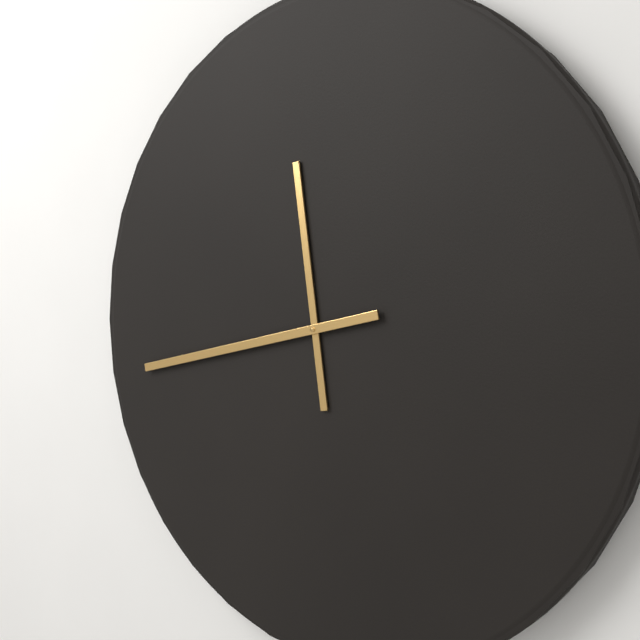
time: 11:43
